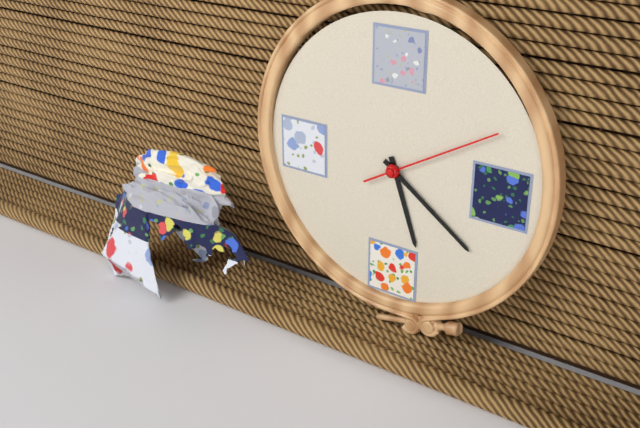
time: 5:21:10
